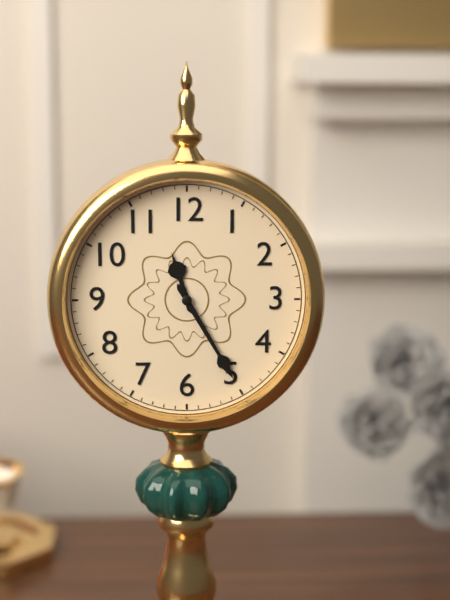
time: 11:25
